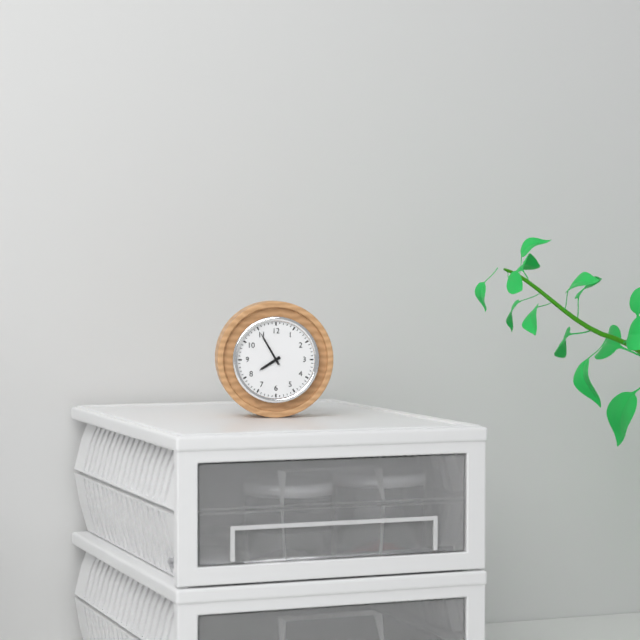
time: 7:55
